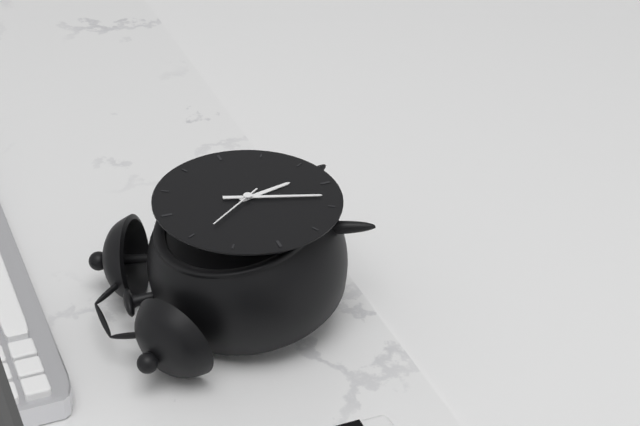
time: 5:33:54
